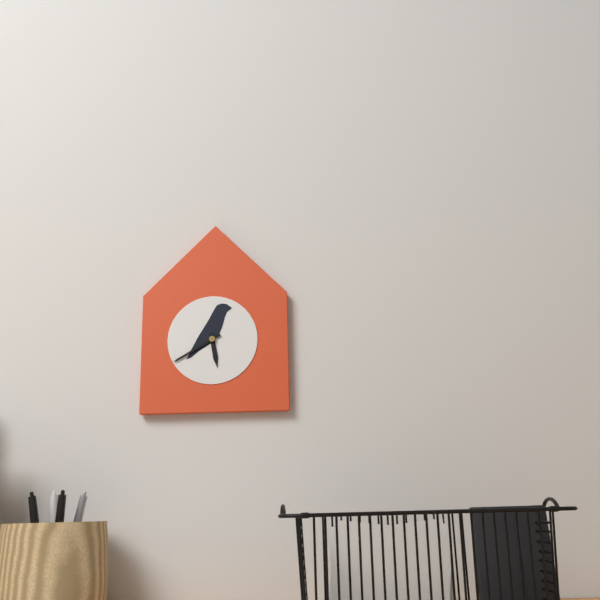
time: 5:40
